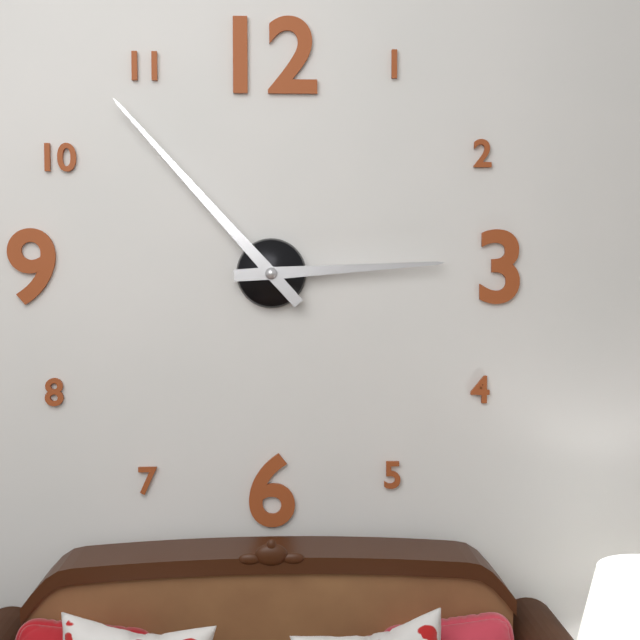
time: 2:53
